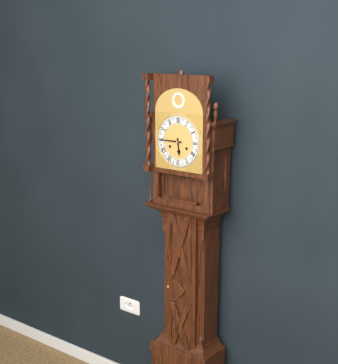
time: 5:45
